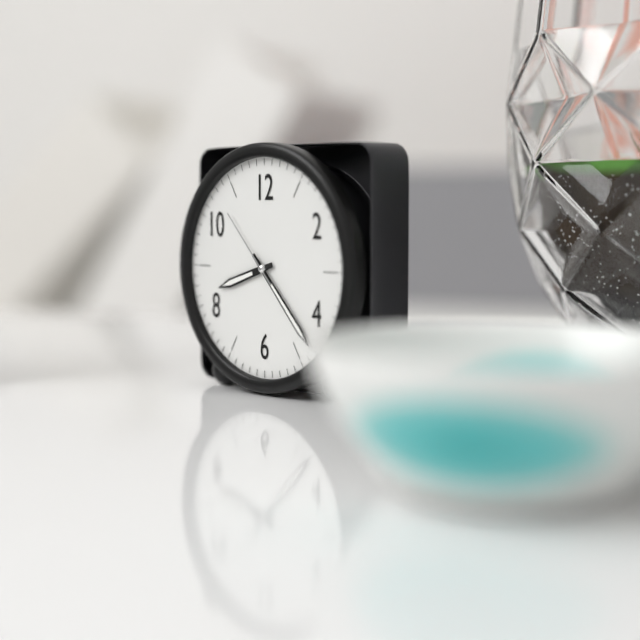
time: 8:23:53
